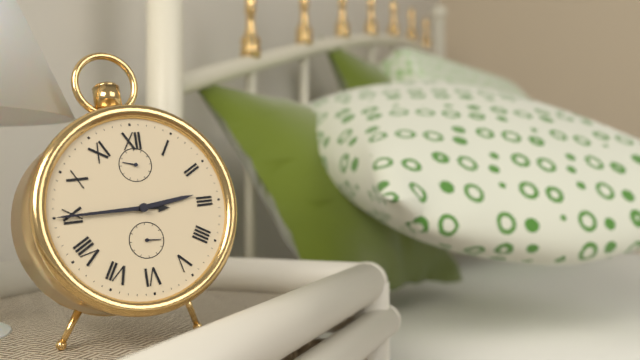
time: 2:45
